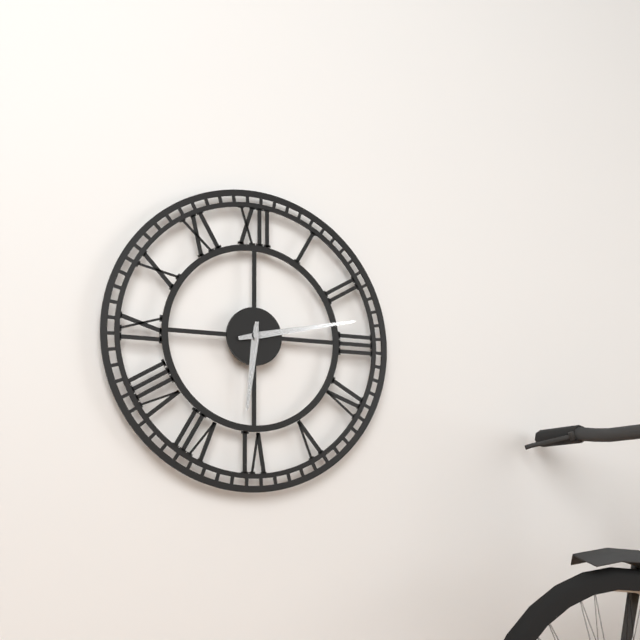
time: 6:13
